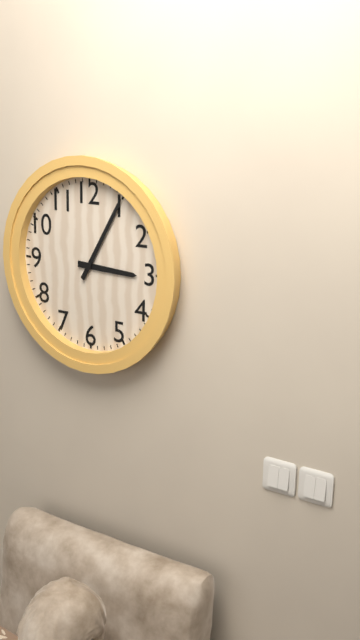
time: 3:05
